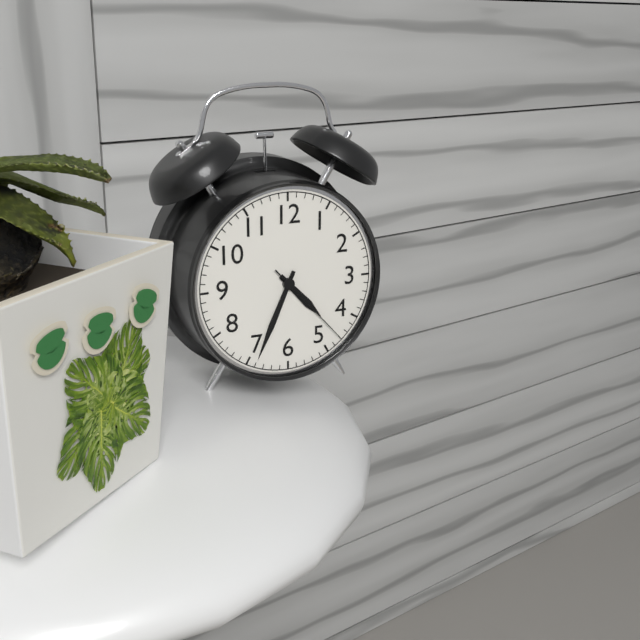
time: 4:34:23
